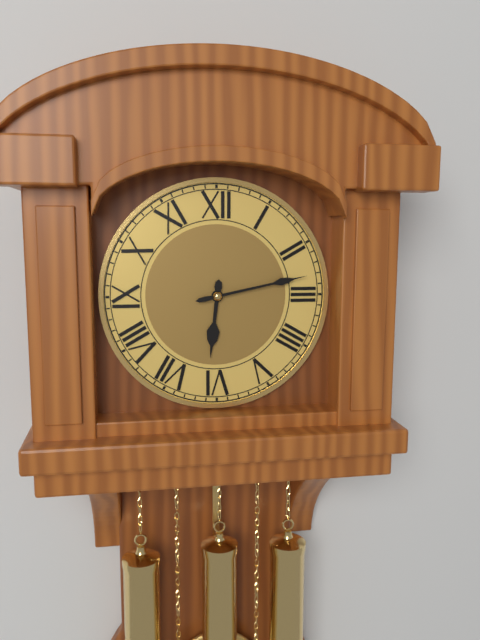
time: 6:13
